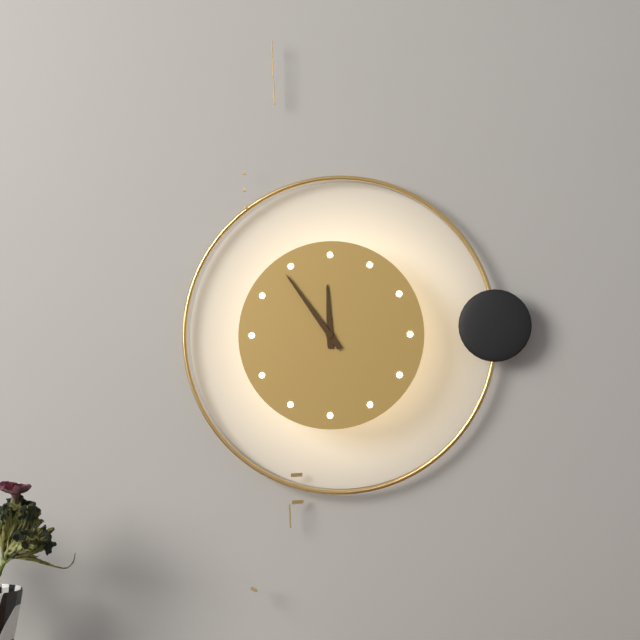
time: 11:54
